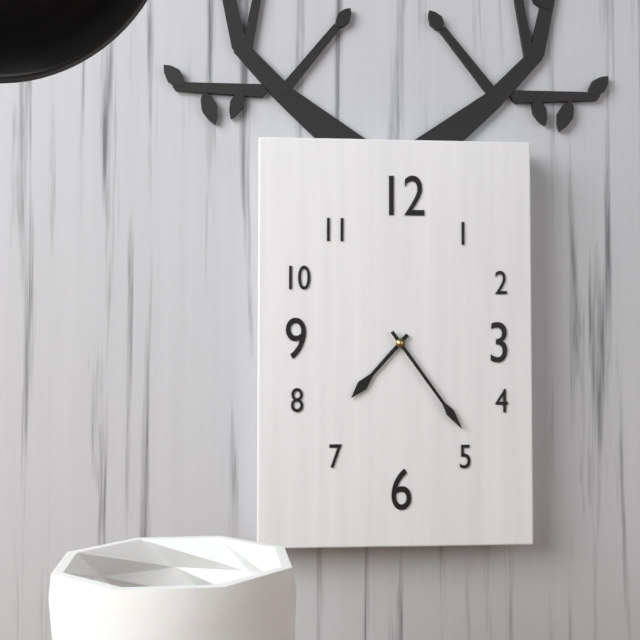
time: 7:24
